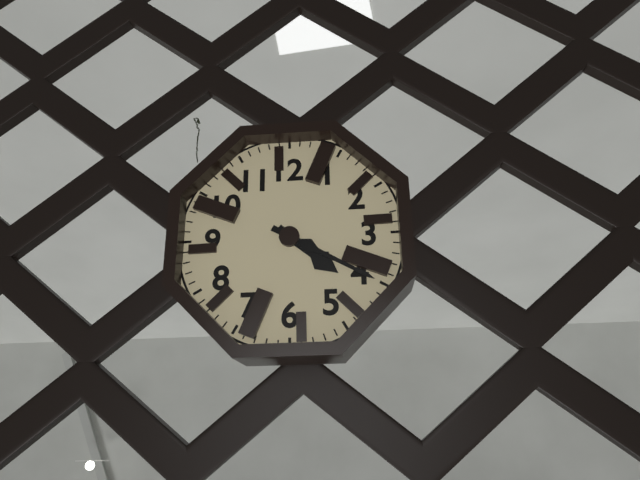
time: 4:20
